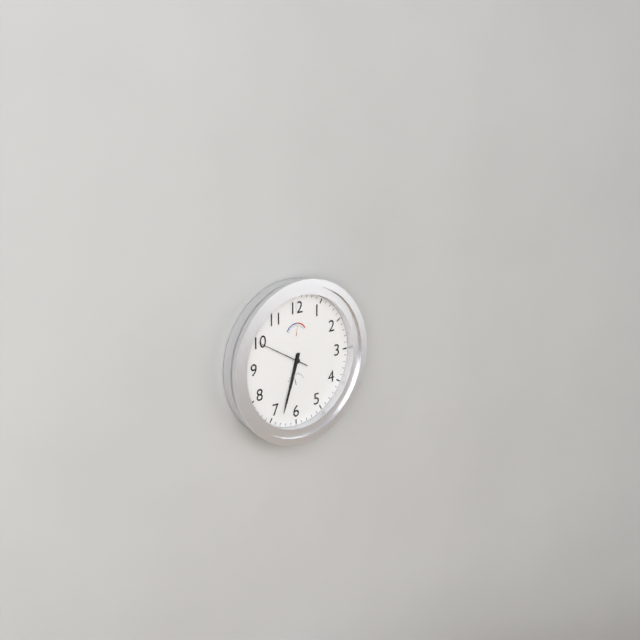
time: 6:33:50
